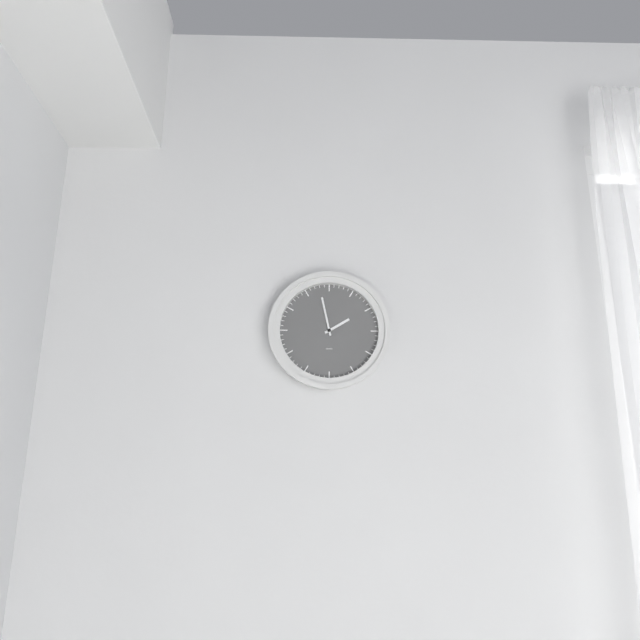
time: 1:58
